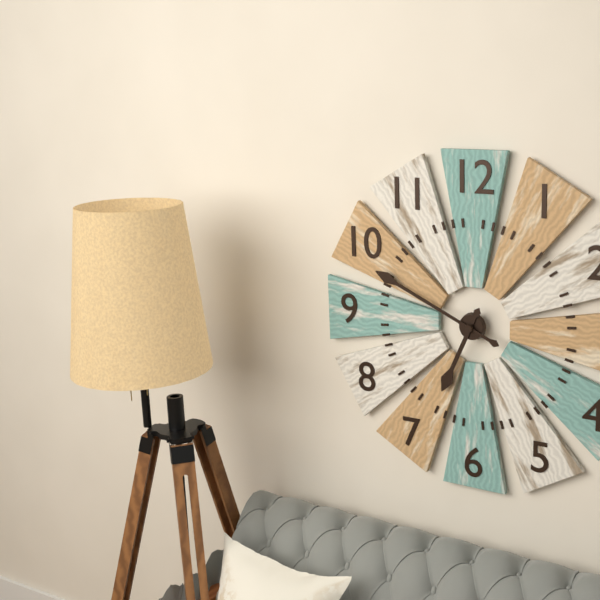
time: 6:49
